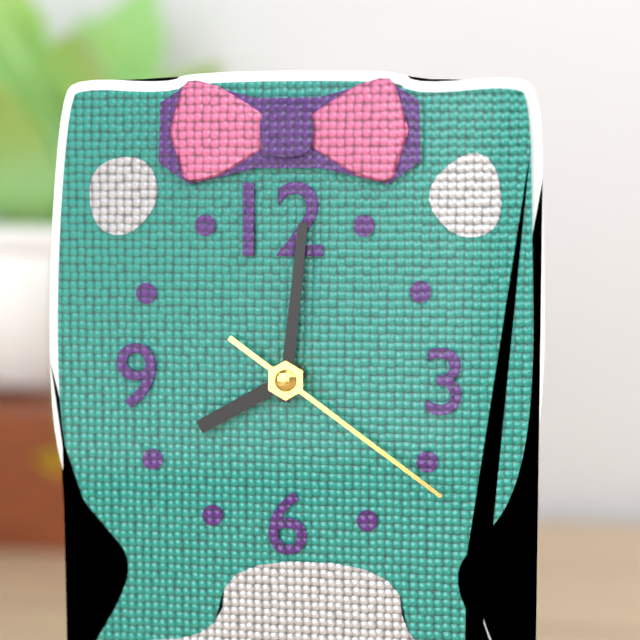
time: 8:01:21
